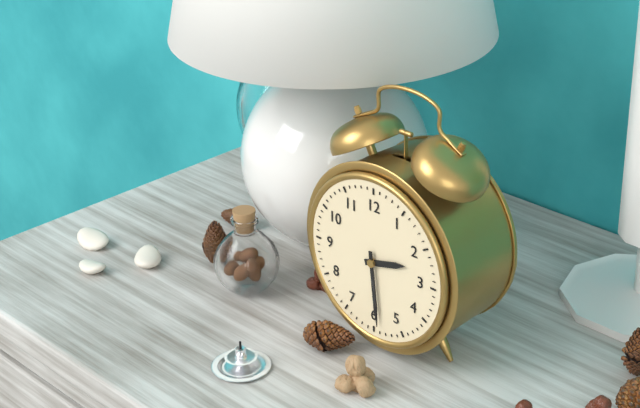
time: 2:29
